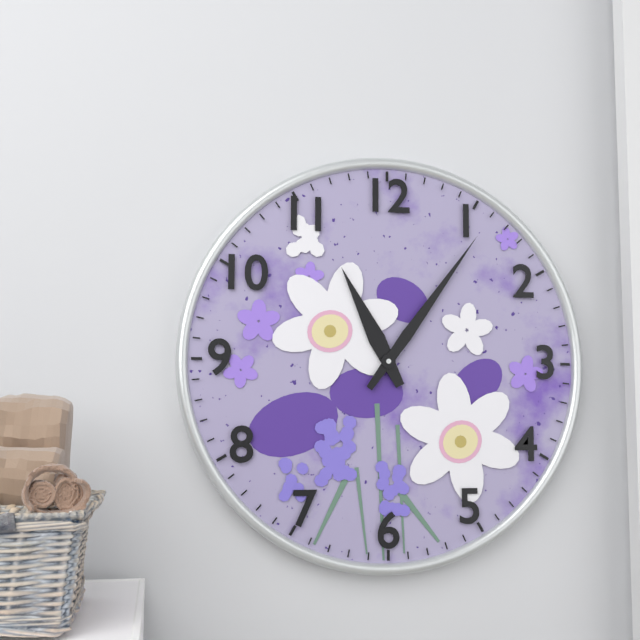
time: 11:06
